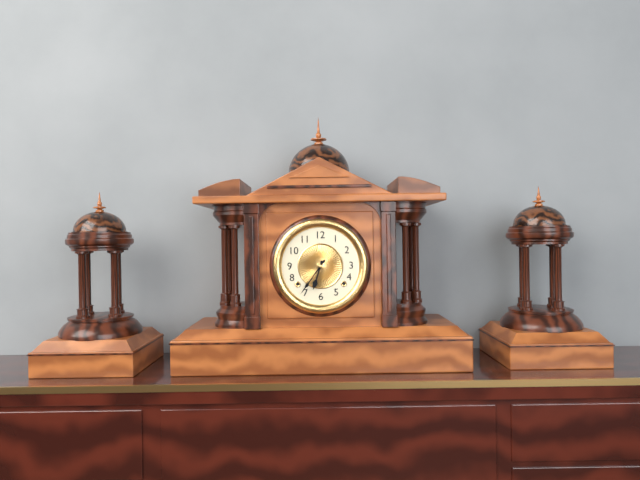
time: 6:36
